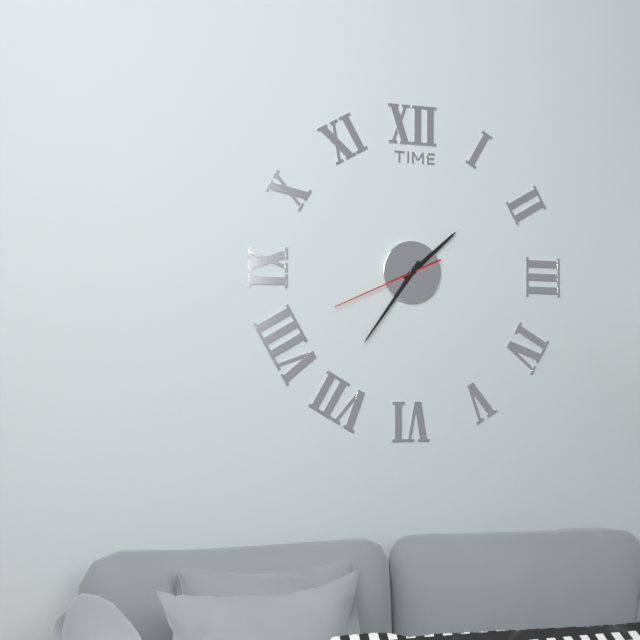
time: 1:36:41
